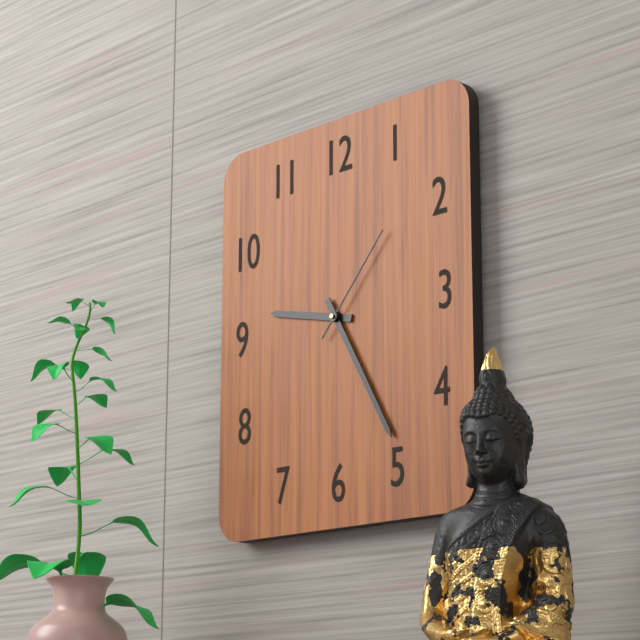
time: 9:25:07
